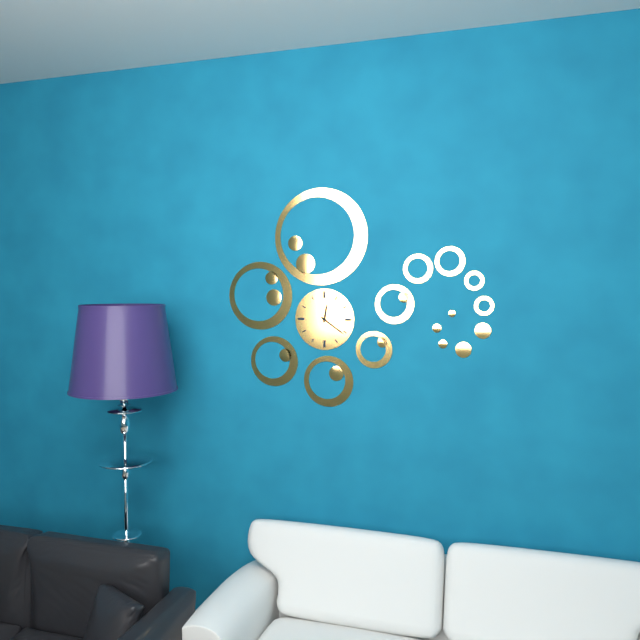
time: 12:21
